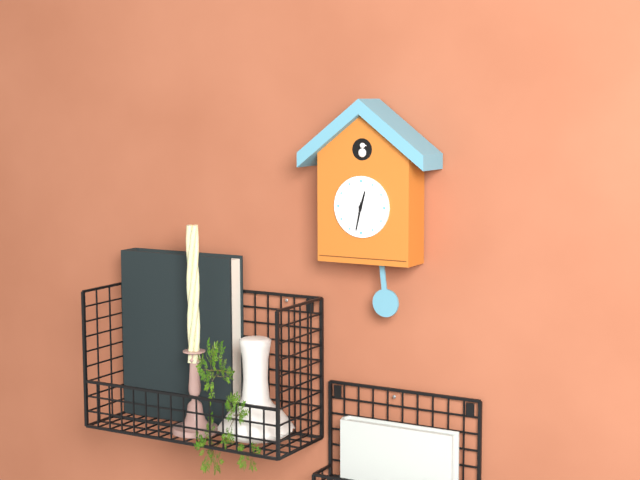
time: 12:32
